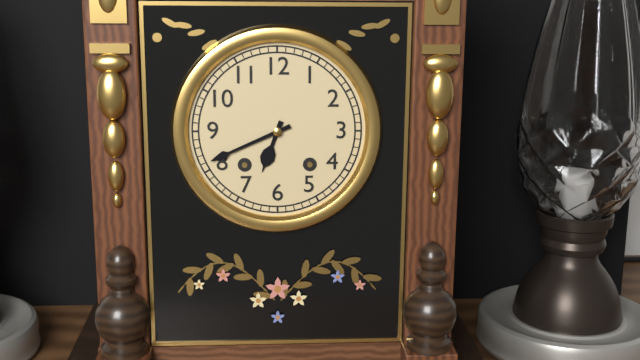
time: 6:41
